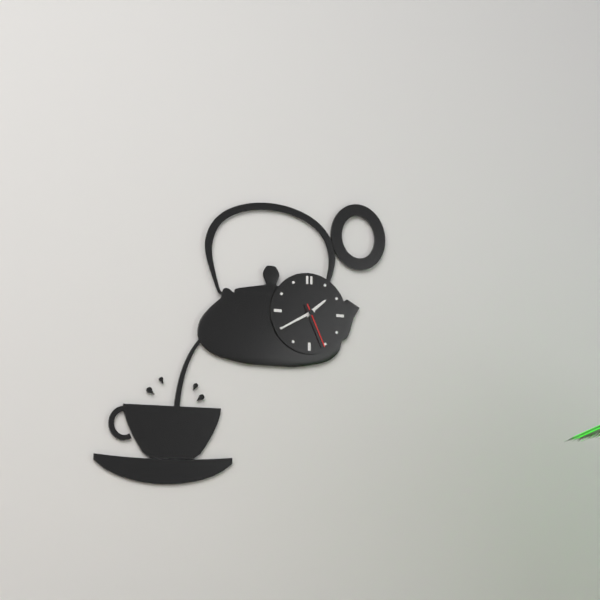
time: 1:40
